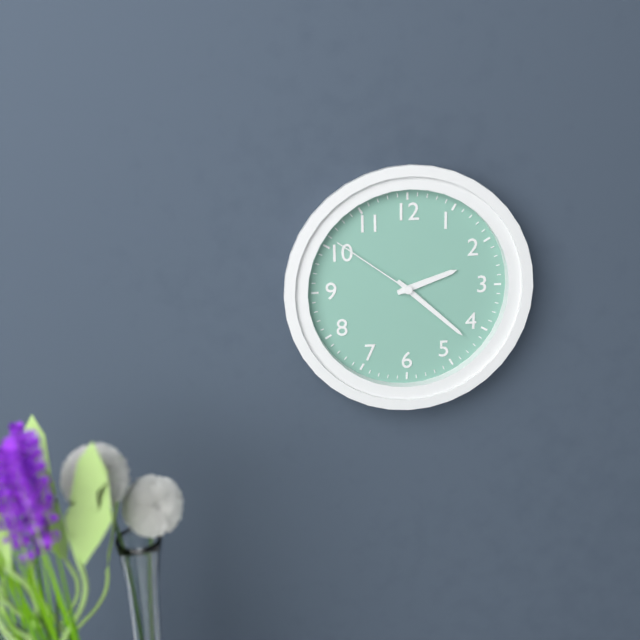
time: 2:22:51
